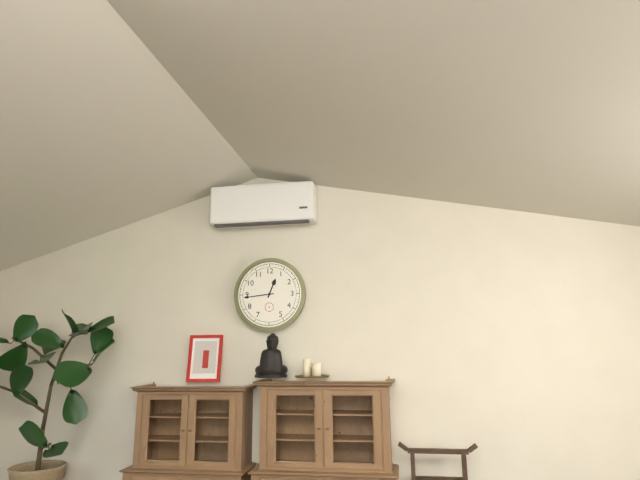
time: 12:44
